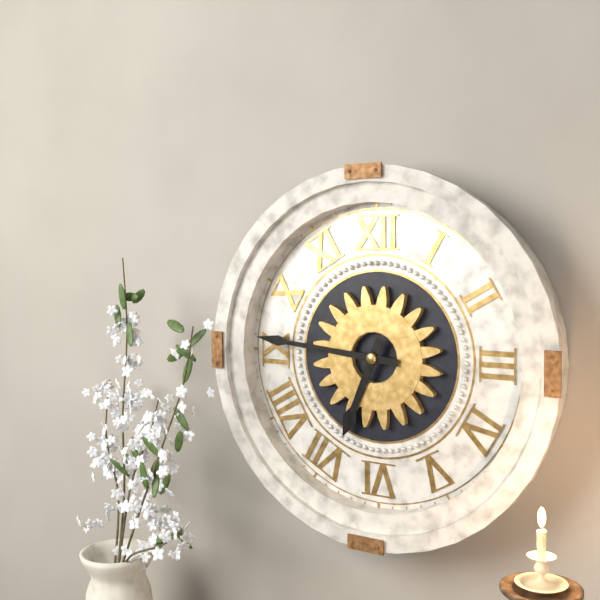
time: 6:46
